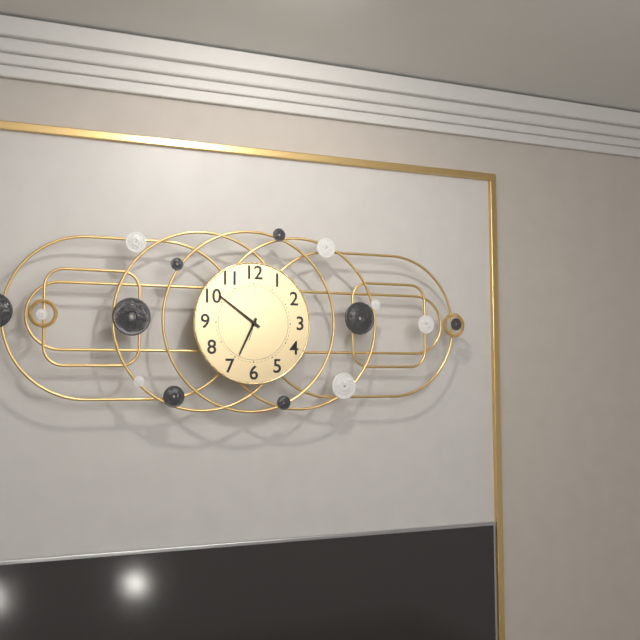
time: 6:51
